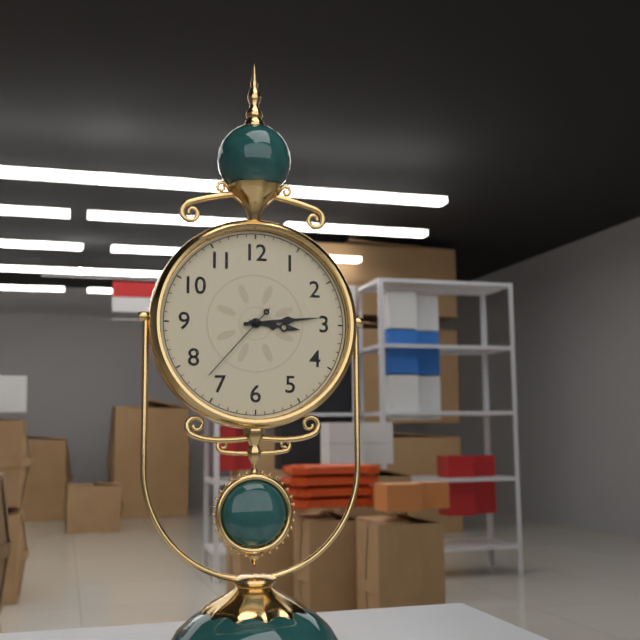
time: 3:14:37
